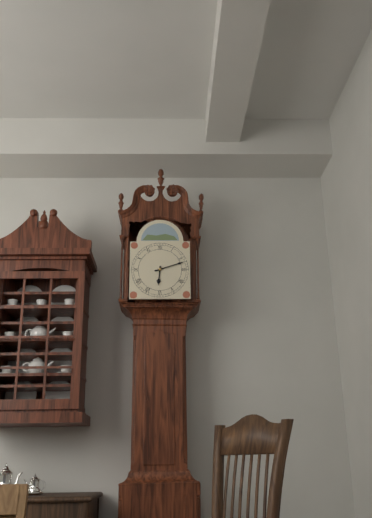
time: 6:12
